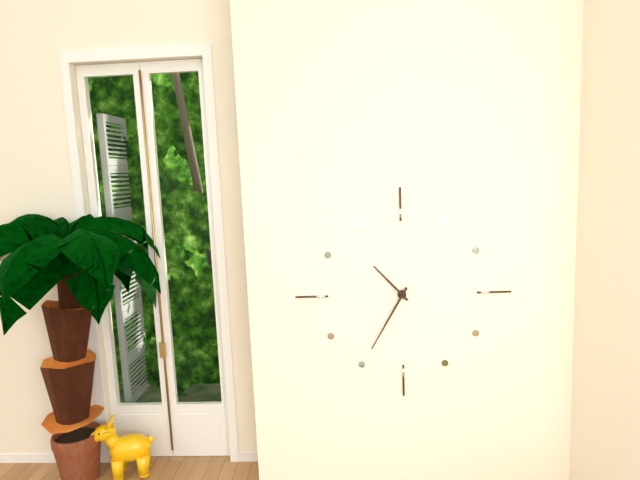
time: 10:35
